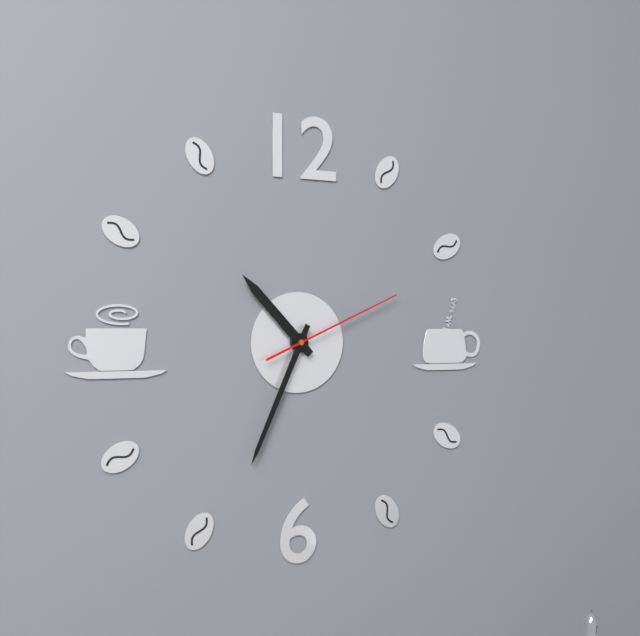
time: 10:34:11
